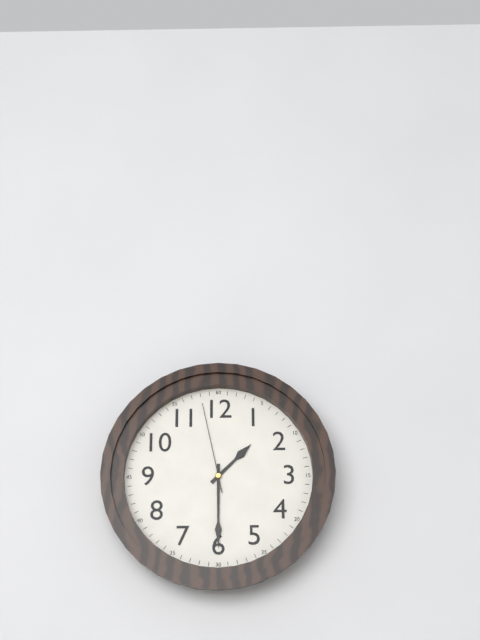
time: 1:30:58
